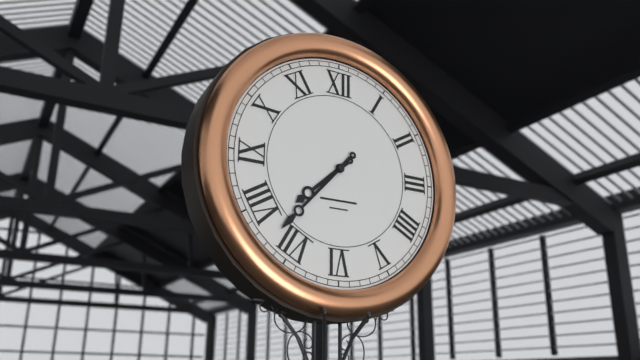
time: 7:37
